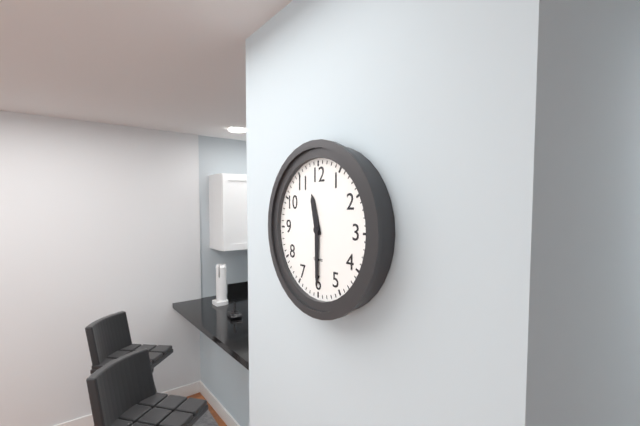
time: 11:30
